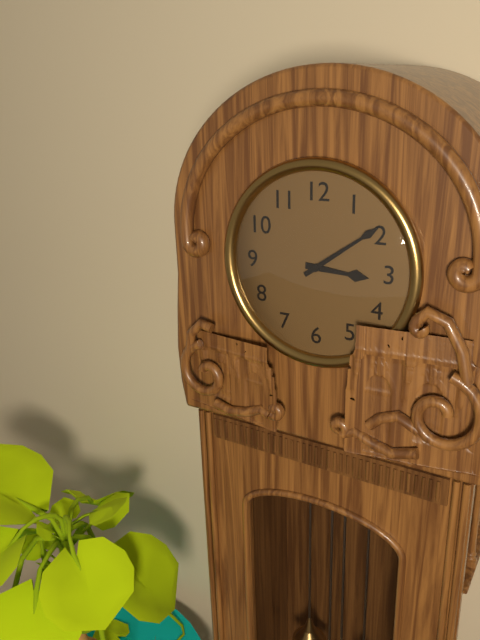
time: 3:09
